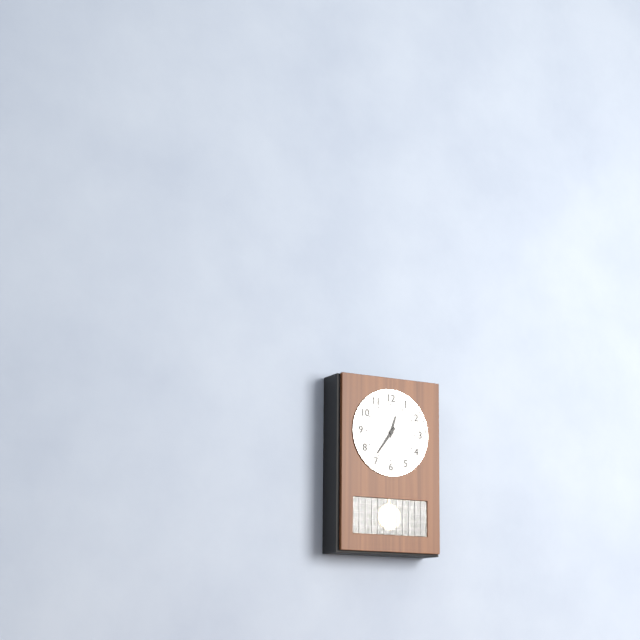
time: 12:36
